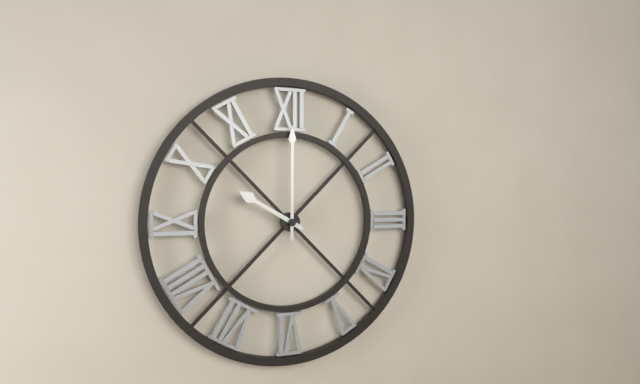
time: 10:00
